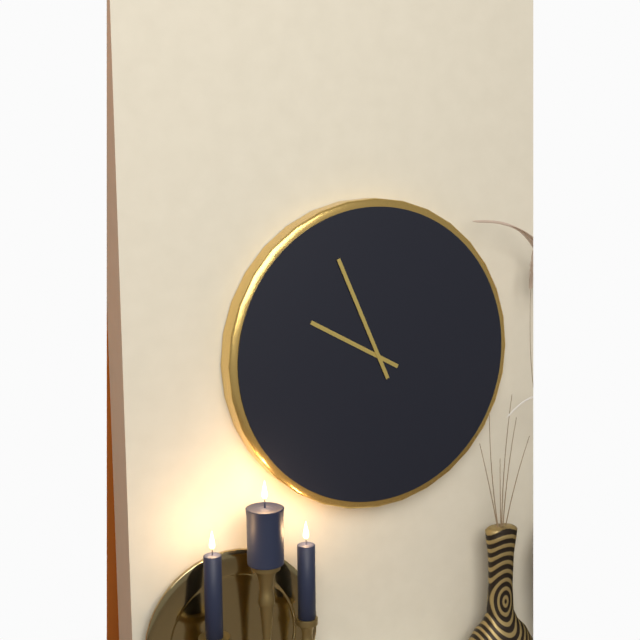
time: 9:56
